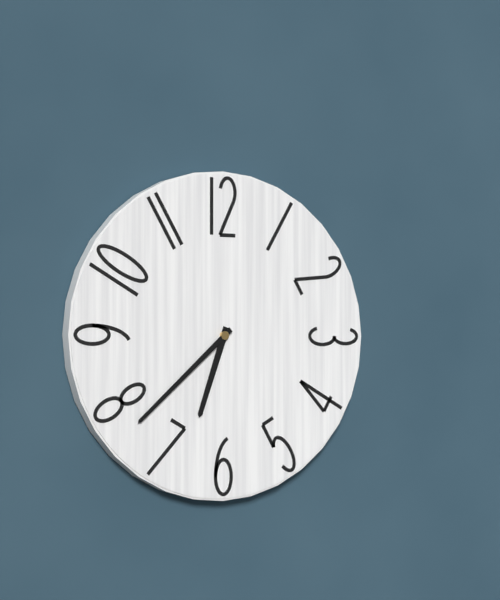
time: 6:38
